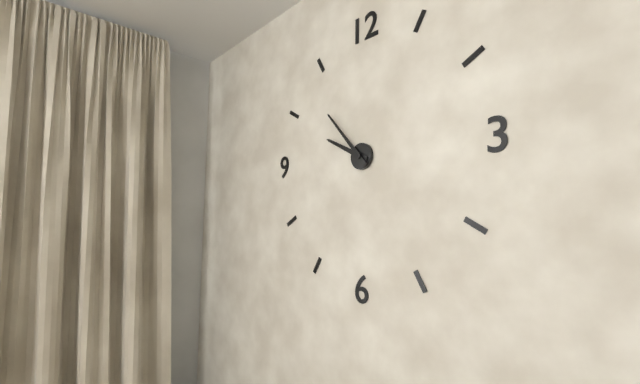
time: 9:53
